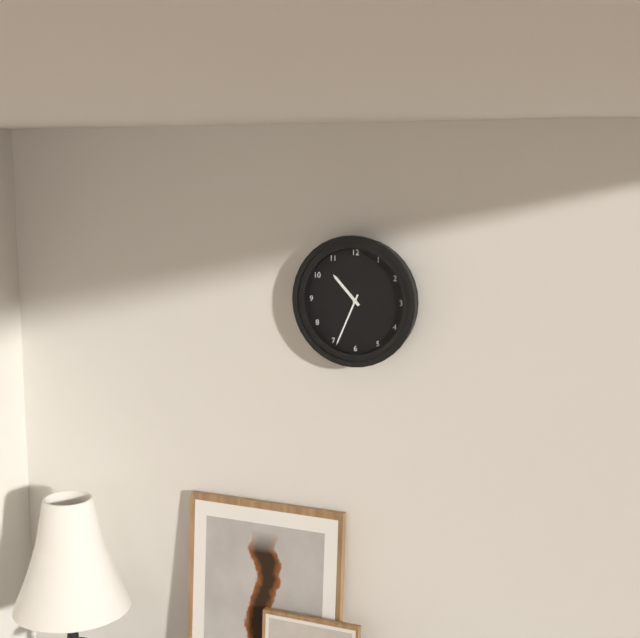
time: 10:34
